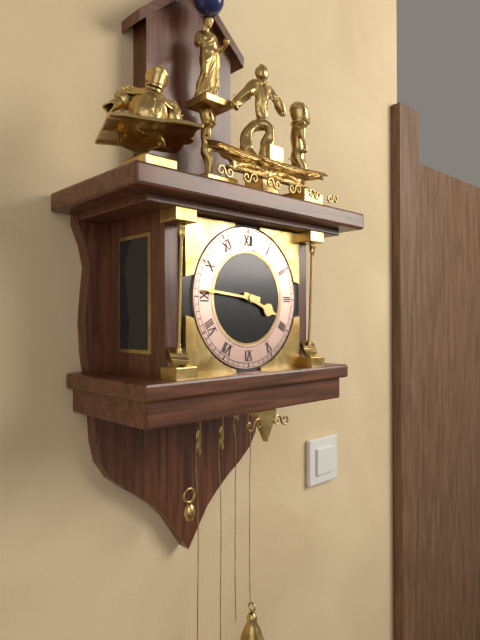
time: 3:46
